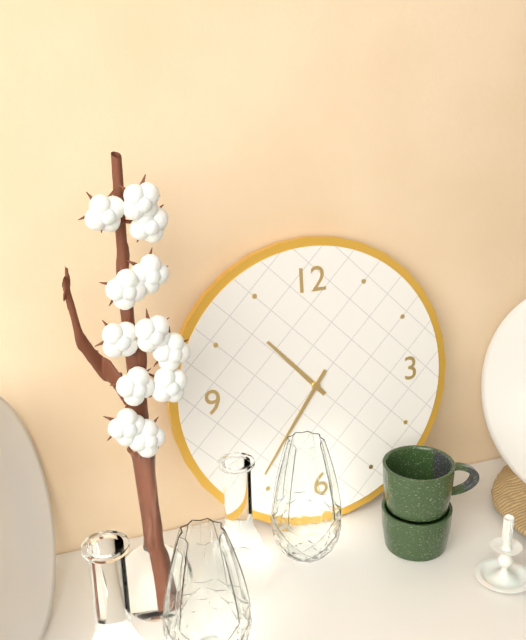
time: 10:36
